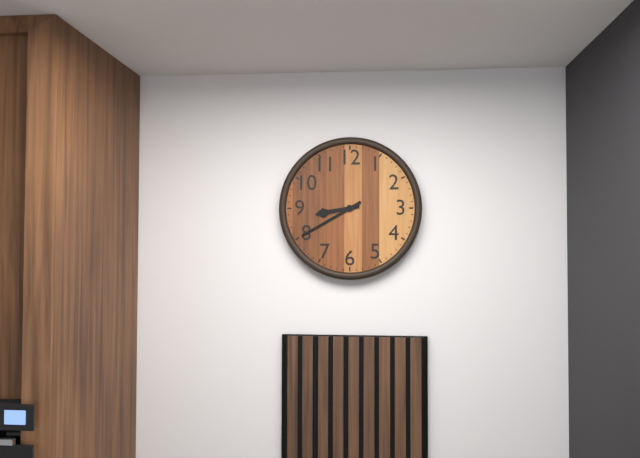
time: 8:40
